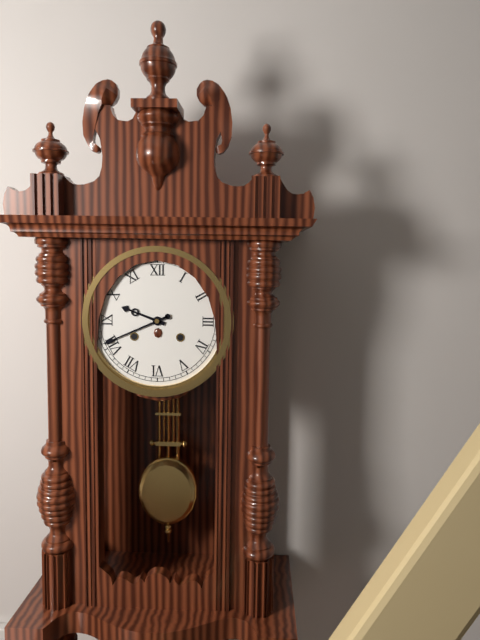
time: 9:41
